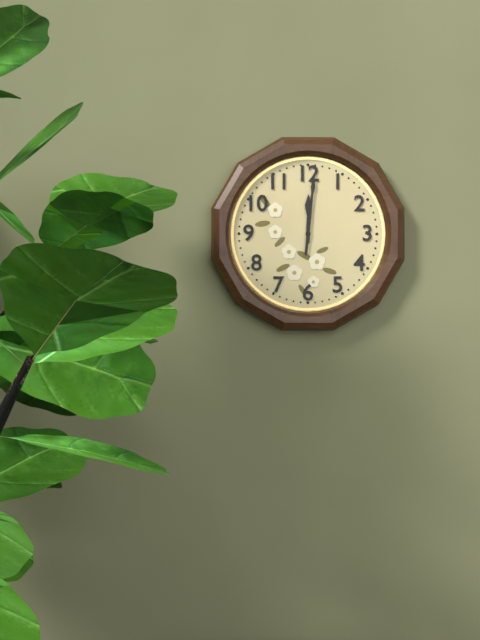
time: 12:01
